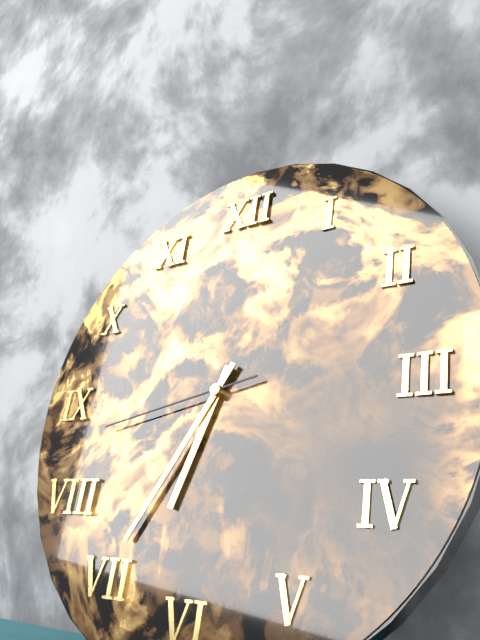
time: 6:35:43
